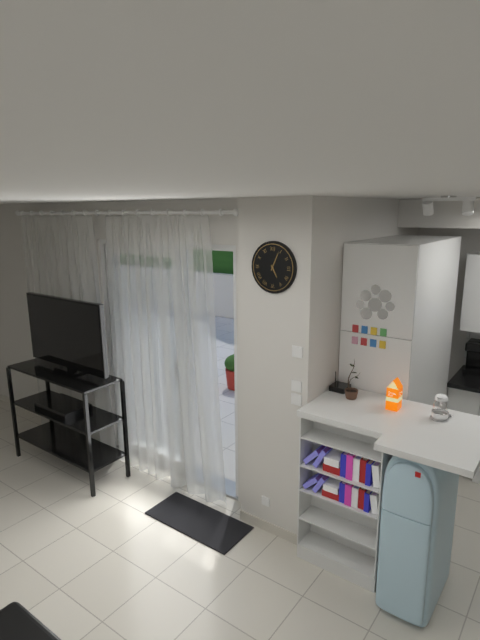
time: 5:04
